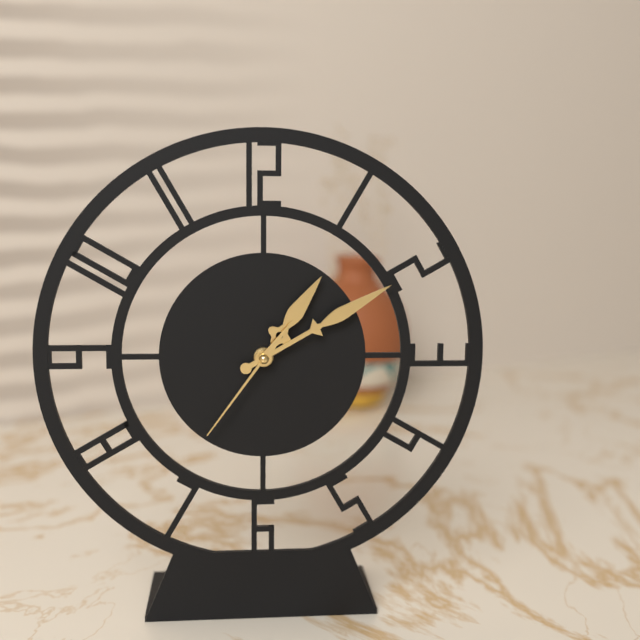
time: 1:10:36
